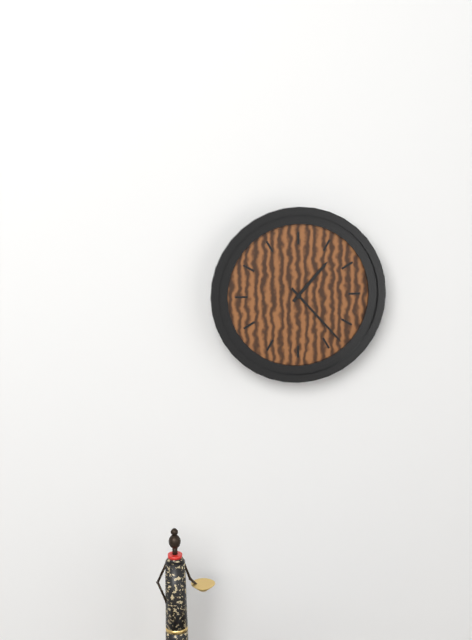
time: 1:23
